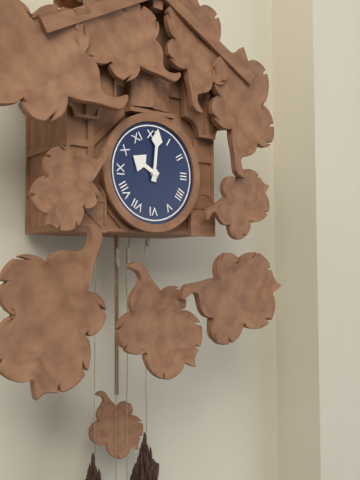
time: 10:01
